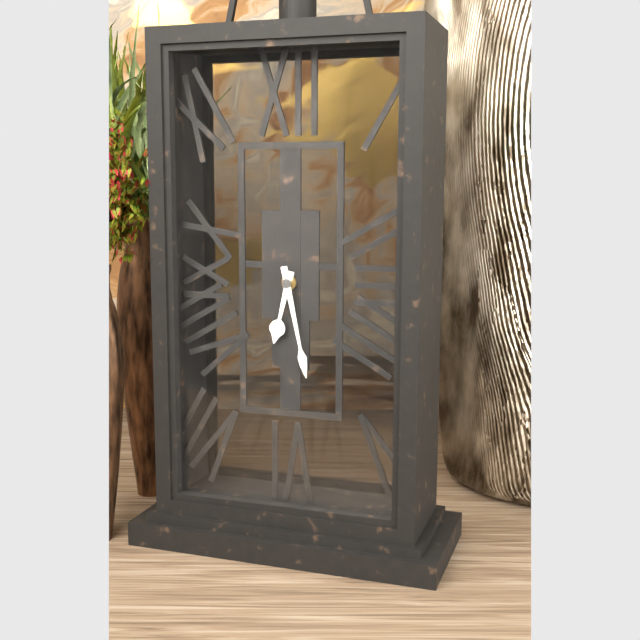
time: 6:28
